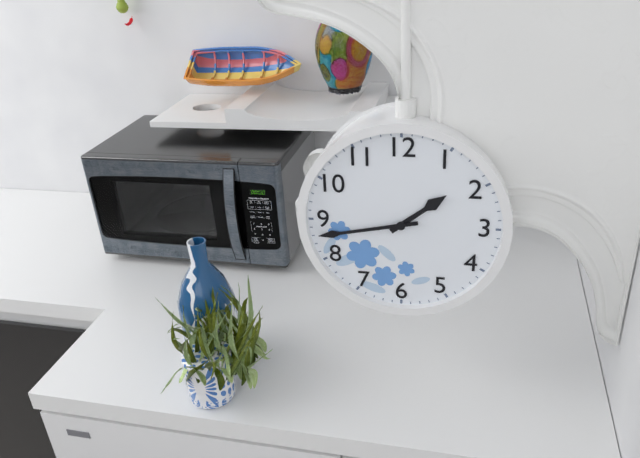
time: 1:43
